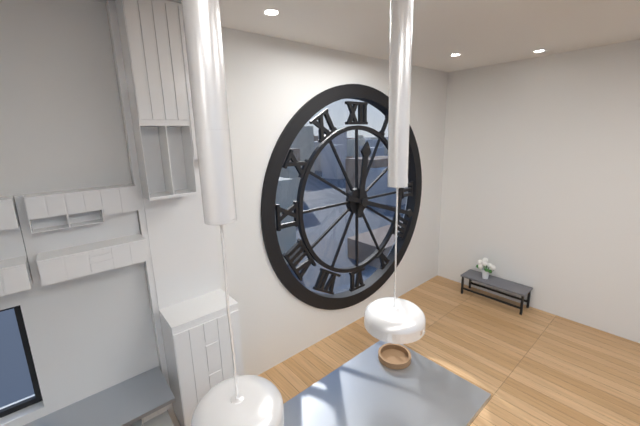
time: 12:18
